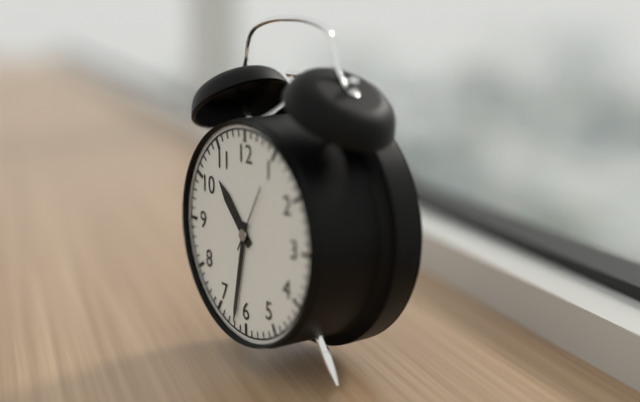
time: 10:32:05
